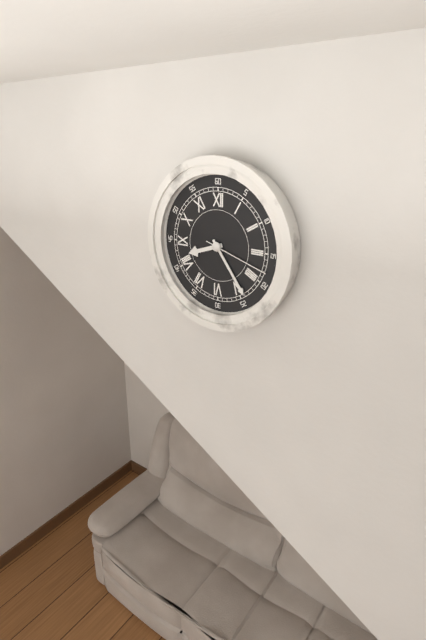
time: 8:24:18
